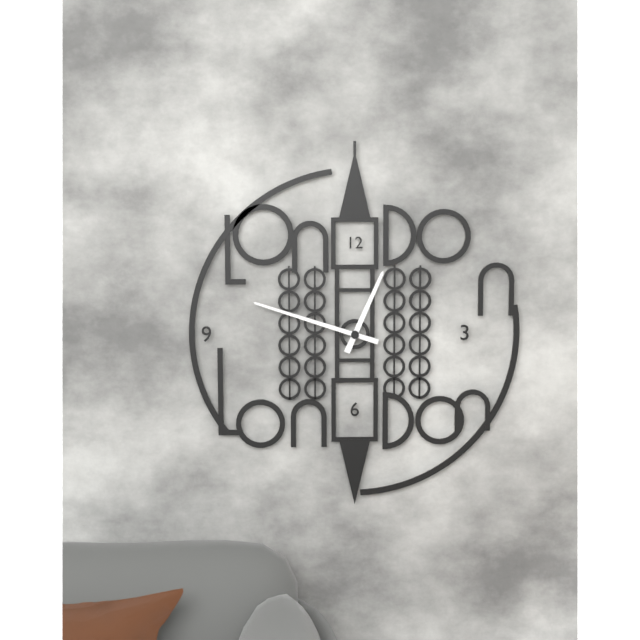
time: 12:48
